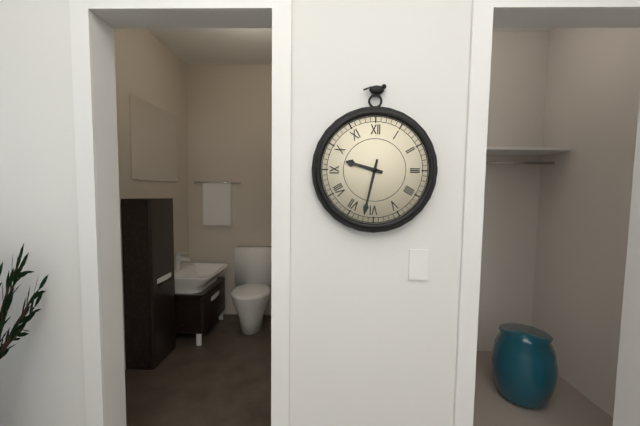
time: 9:32
